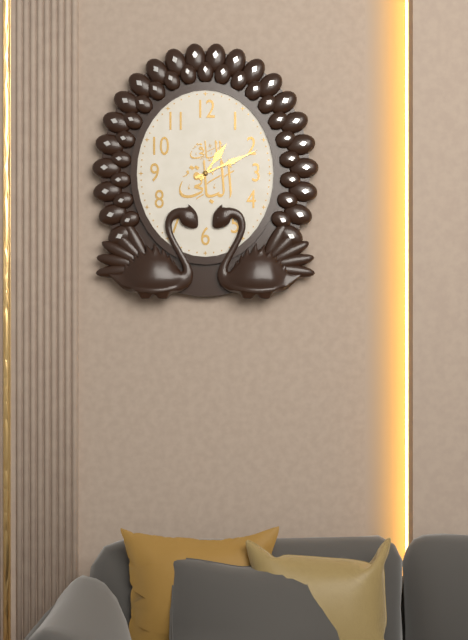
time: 1:11
